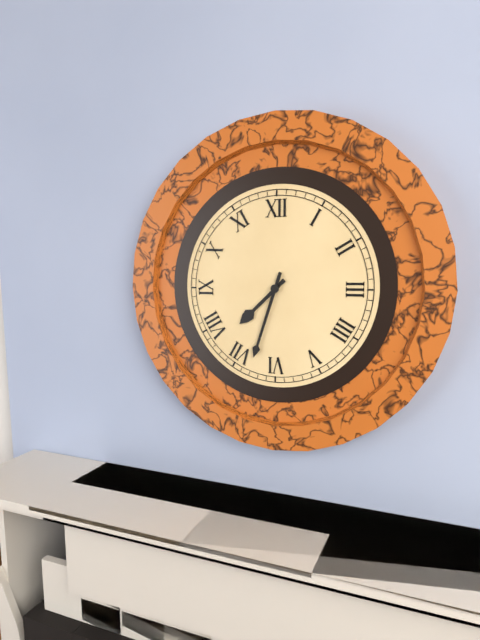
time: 7:33
